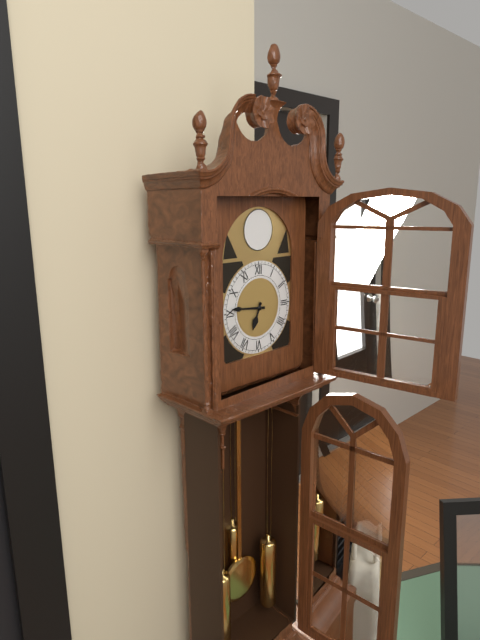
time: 6:46
